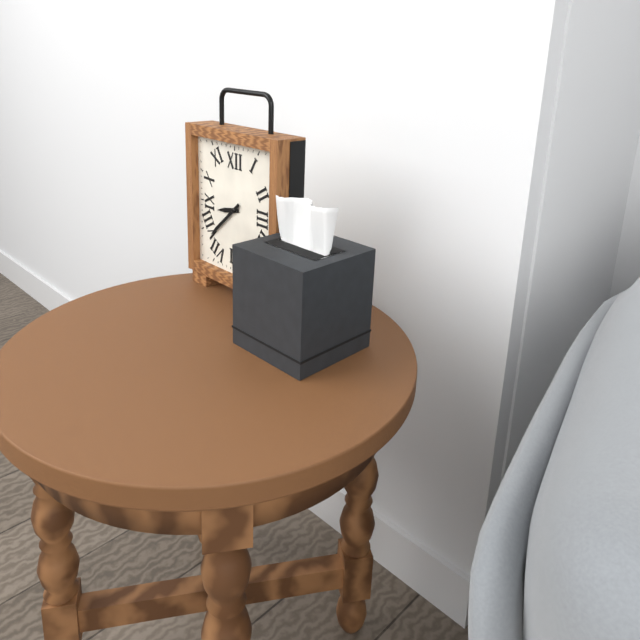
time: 8:38
